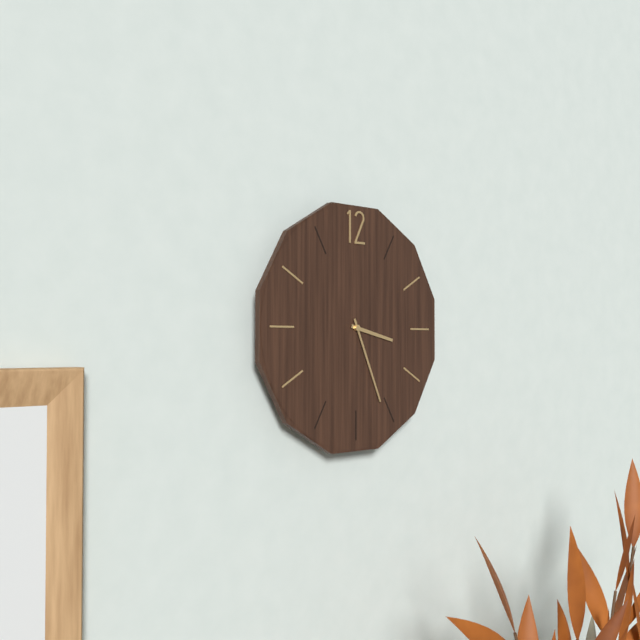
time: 3:26
